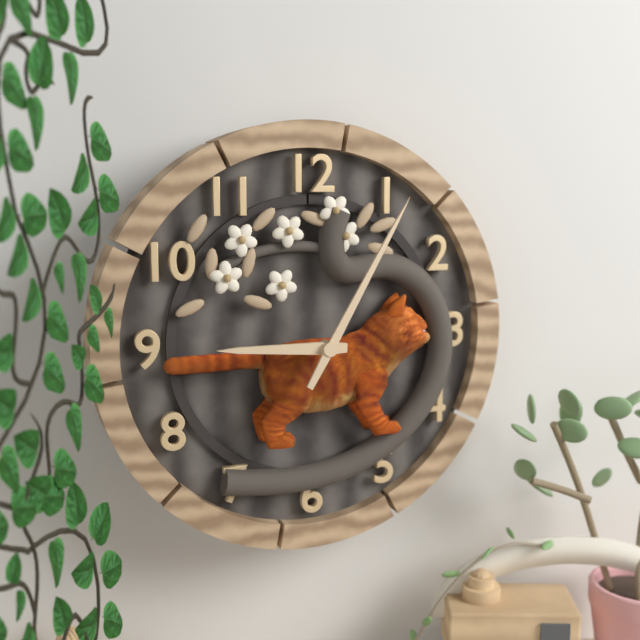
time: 9:05
